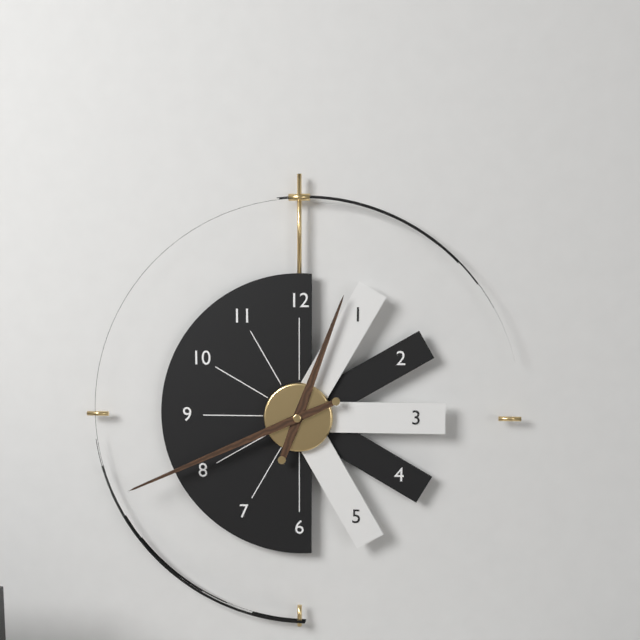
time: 12:41
